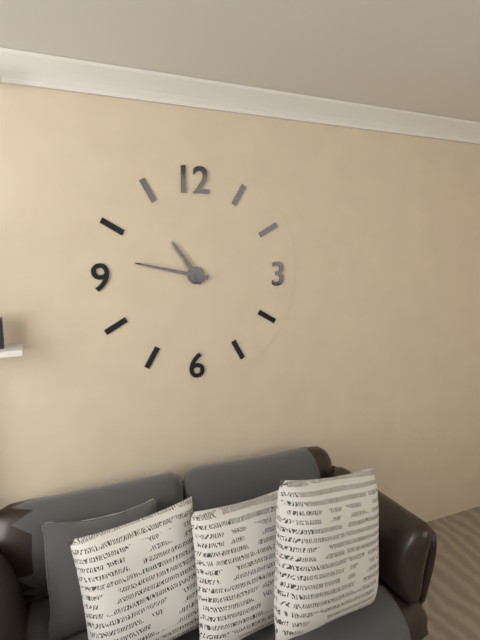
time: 10:47
